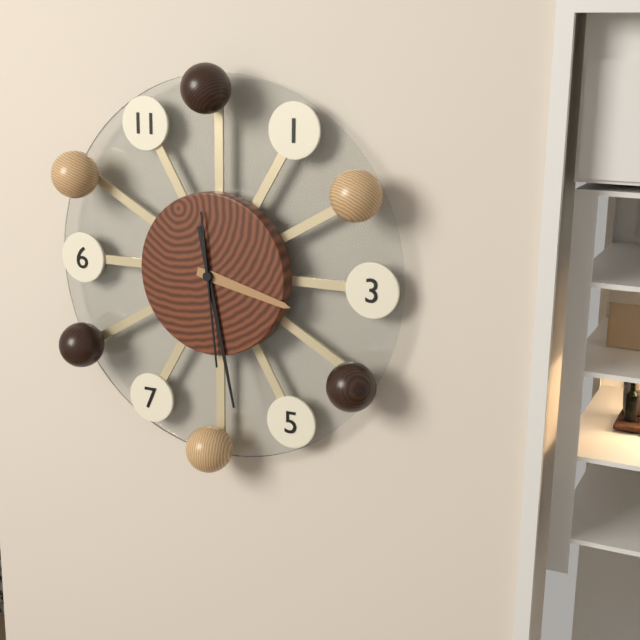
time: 3:28:29
